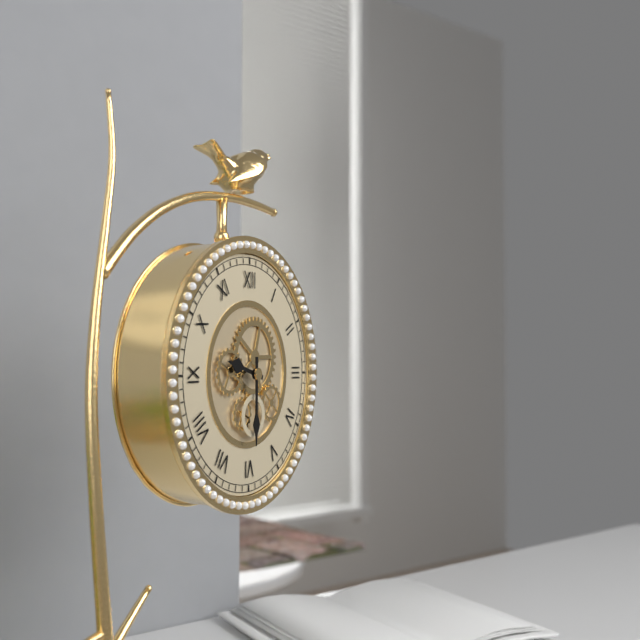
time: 9:30
